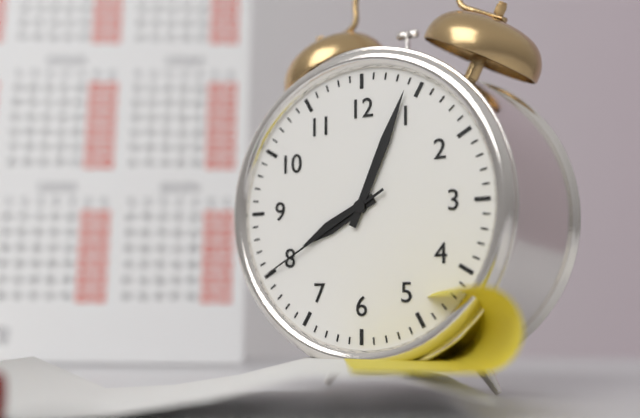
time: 8:04:40
